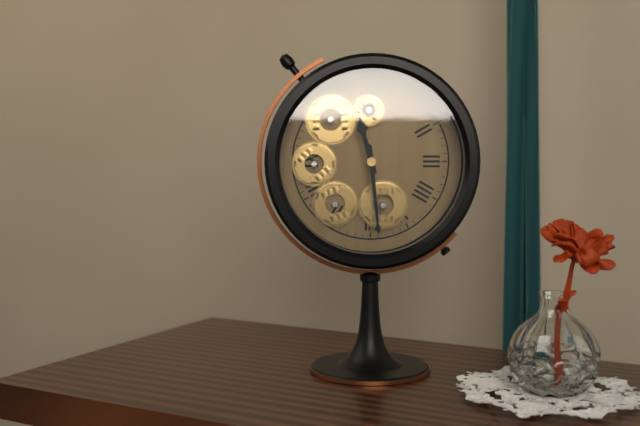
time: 11:29
